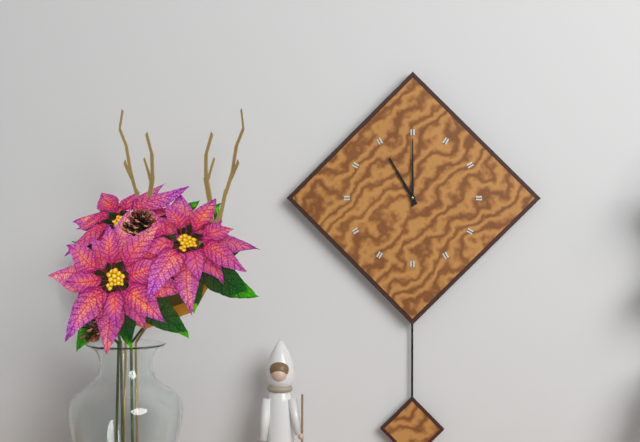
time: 11:00
